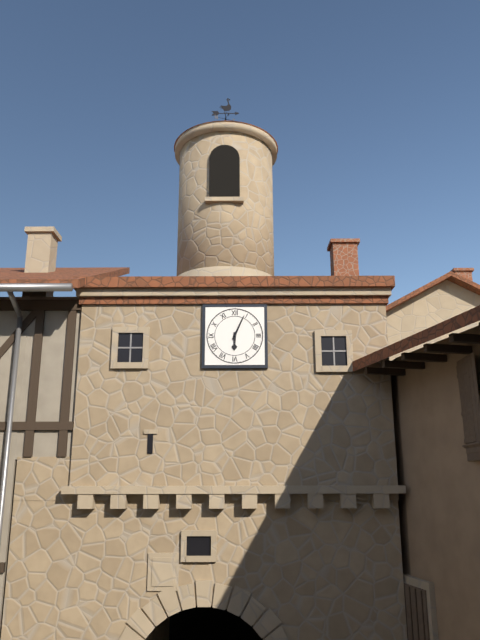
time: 6:04
